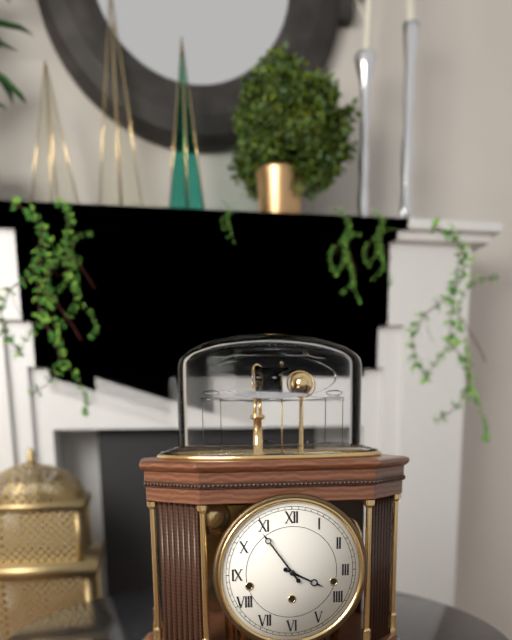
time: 3:54
